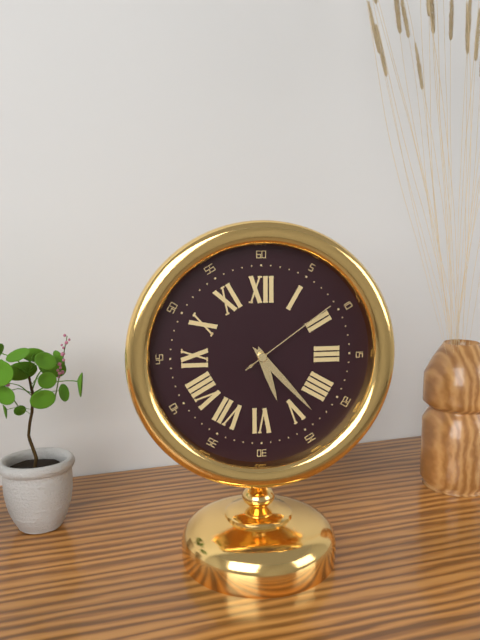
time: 5:23:09
